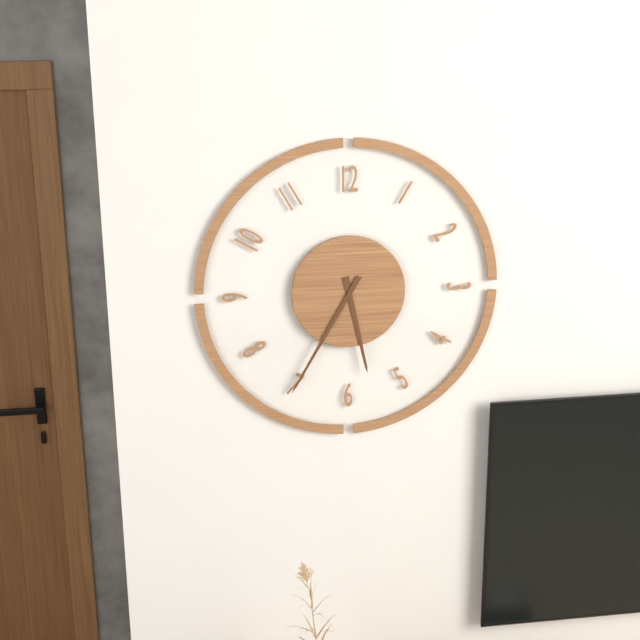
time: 5:35
